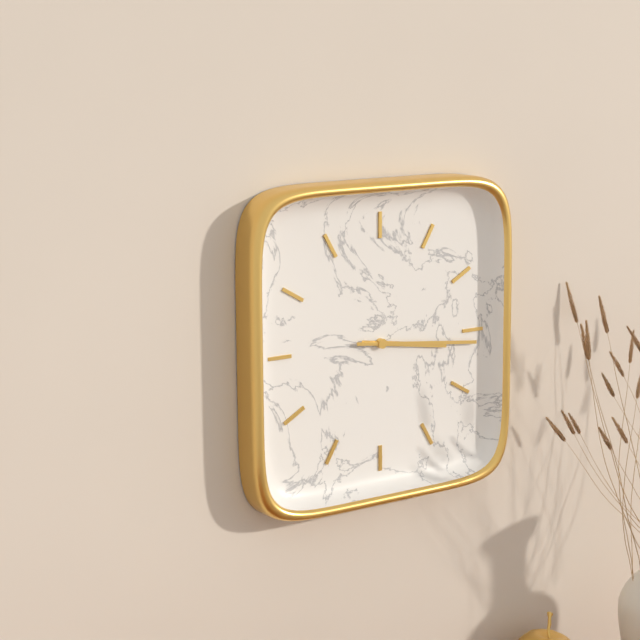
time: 3:16
